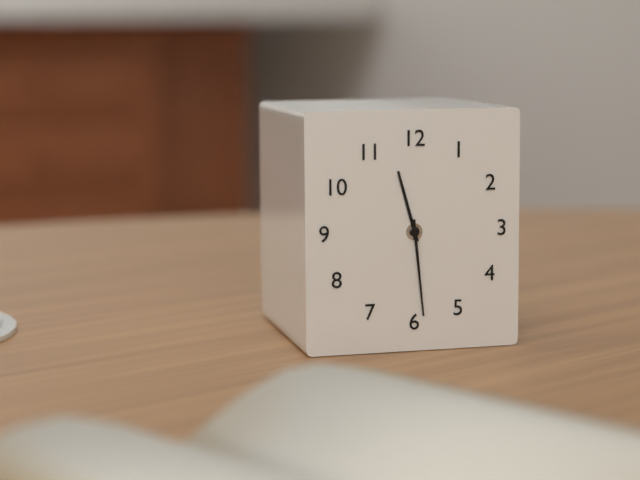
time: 11:29
